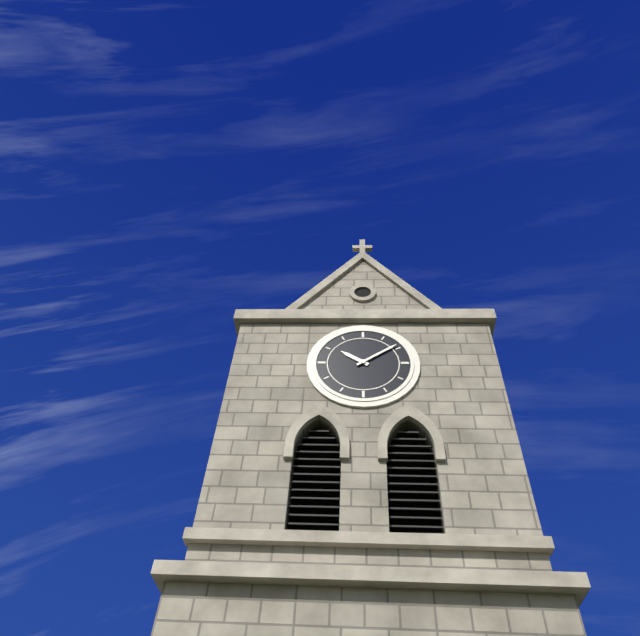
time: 10:09
